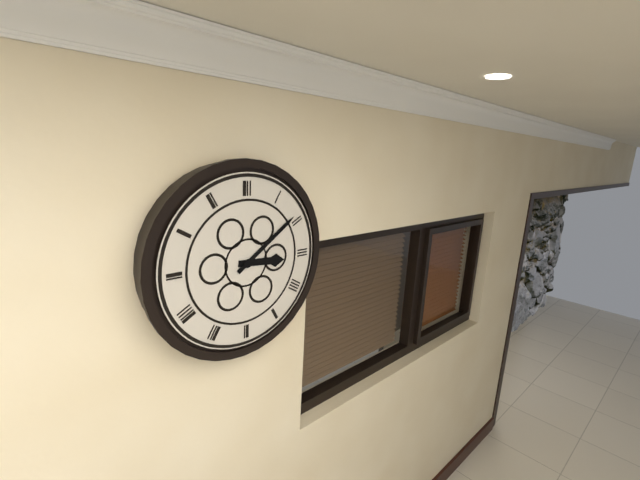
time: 3:09
